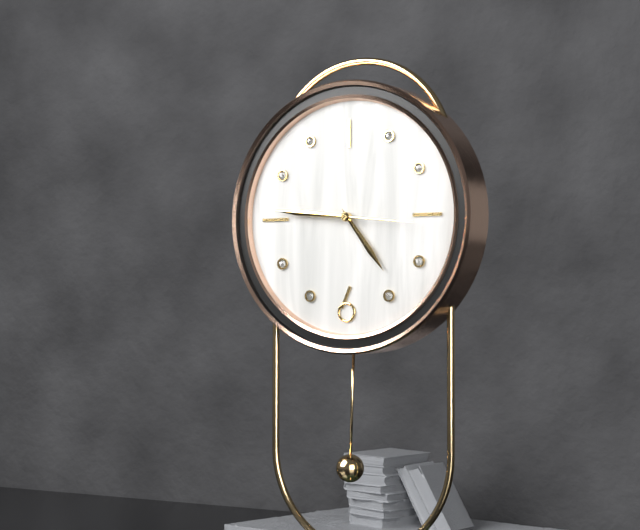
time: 4:46:16
